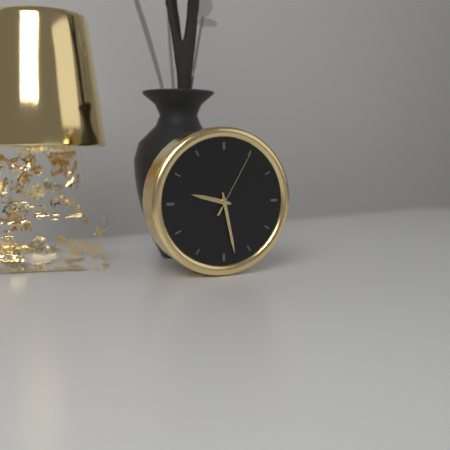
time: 9:28:05
